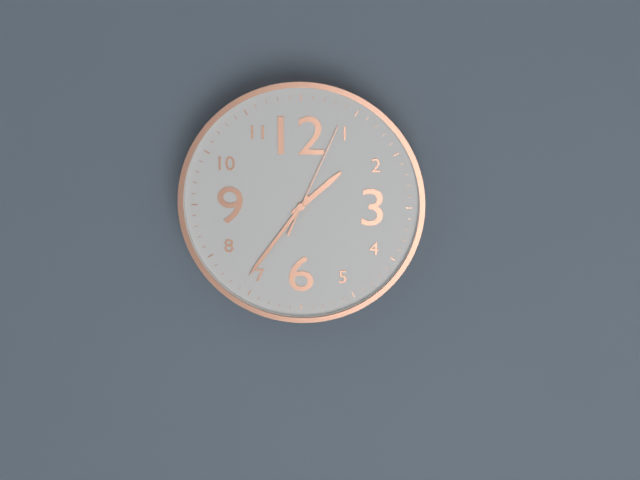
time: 1:36:04
